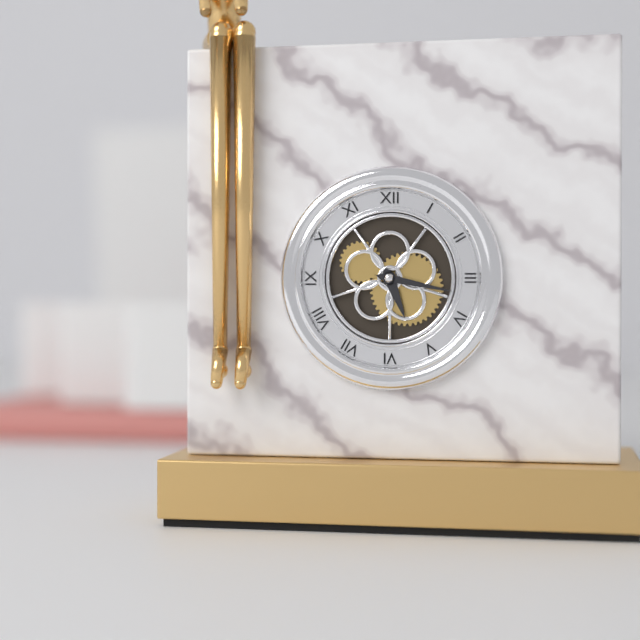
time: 5:17
